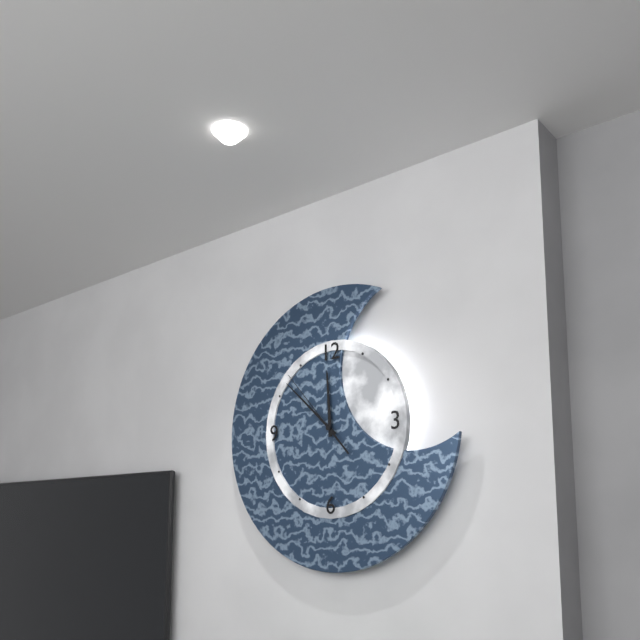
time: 11:52:53
